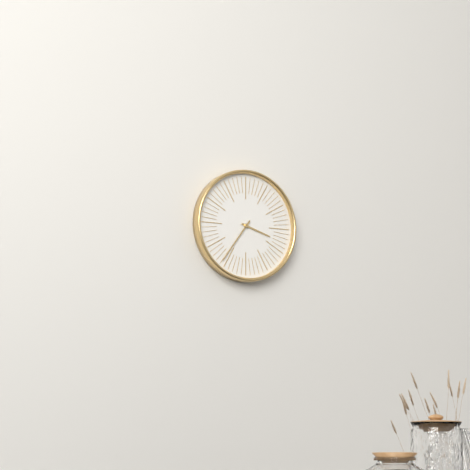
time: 3:36
